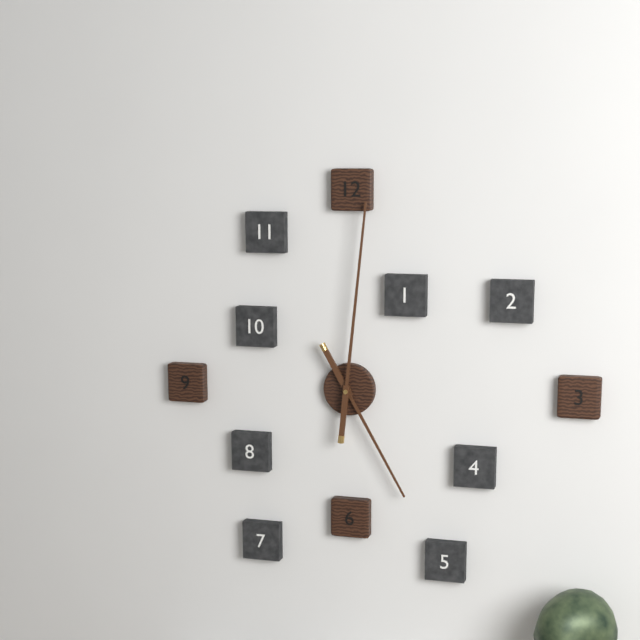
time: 5:01
